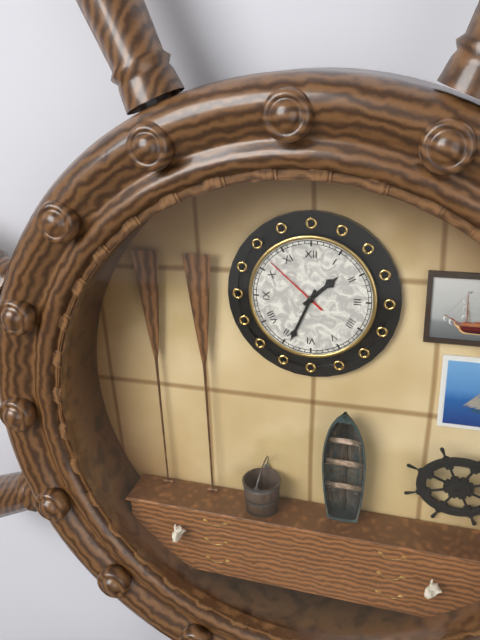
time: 1:34:52
